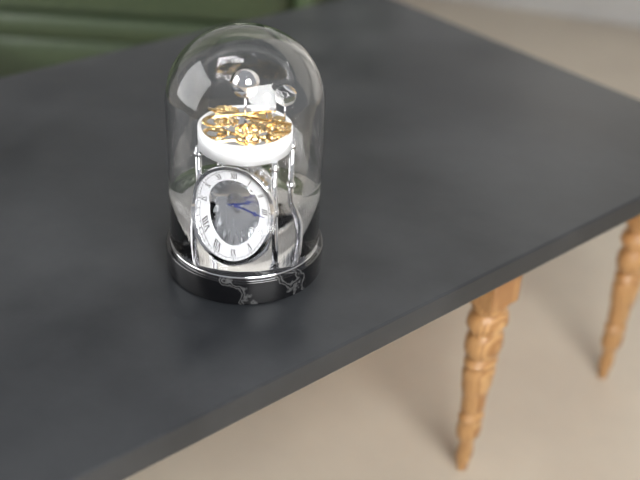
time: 2:16
